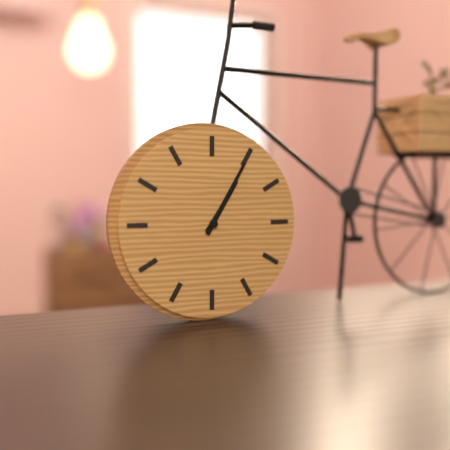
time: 1:05
